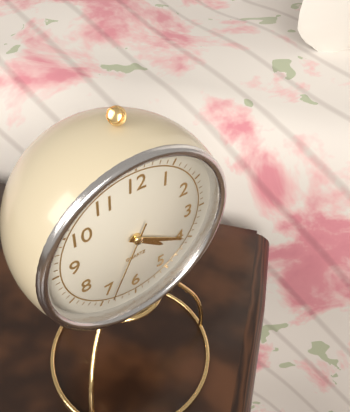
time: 4:20:34
